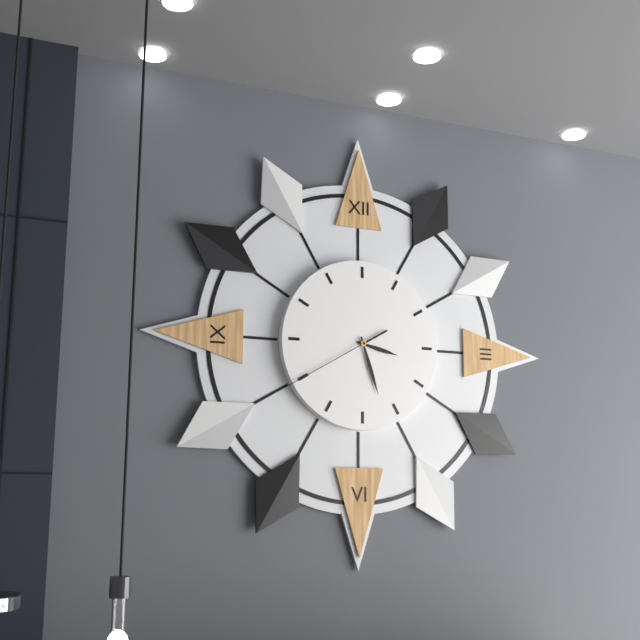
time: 3:27:40
